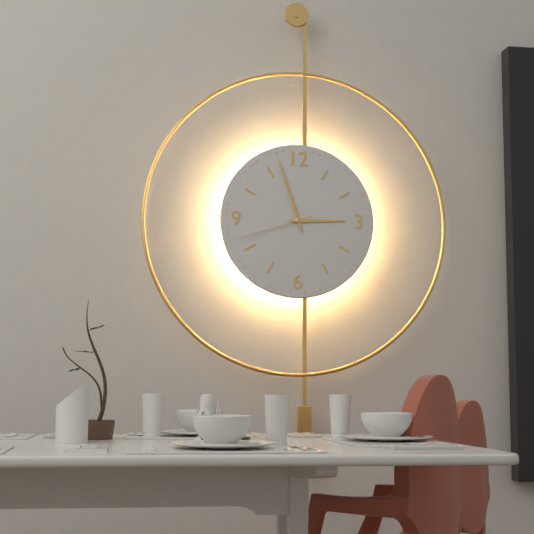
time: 2:57:42
